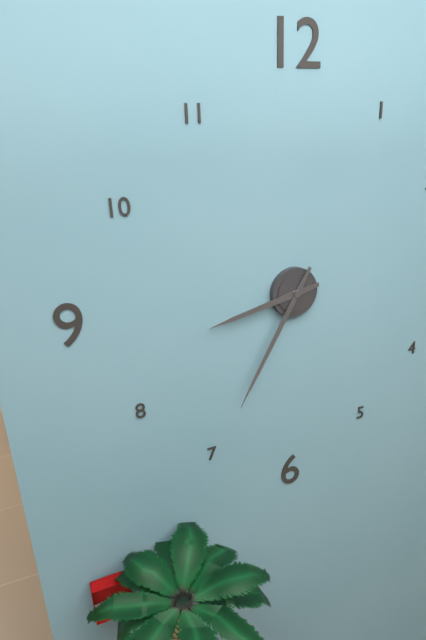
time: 8:35
